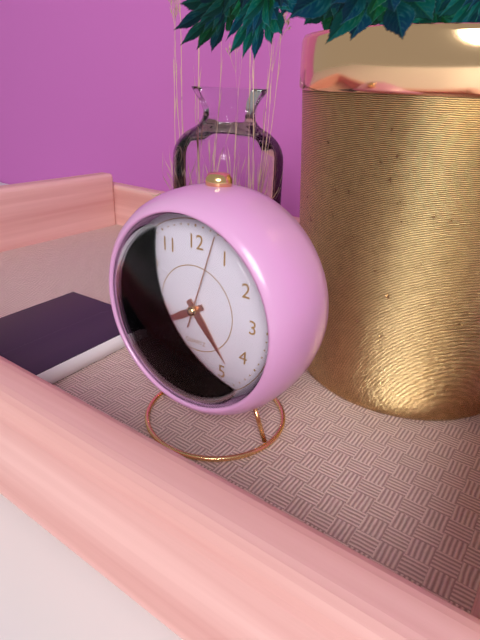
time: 4:40:03
